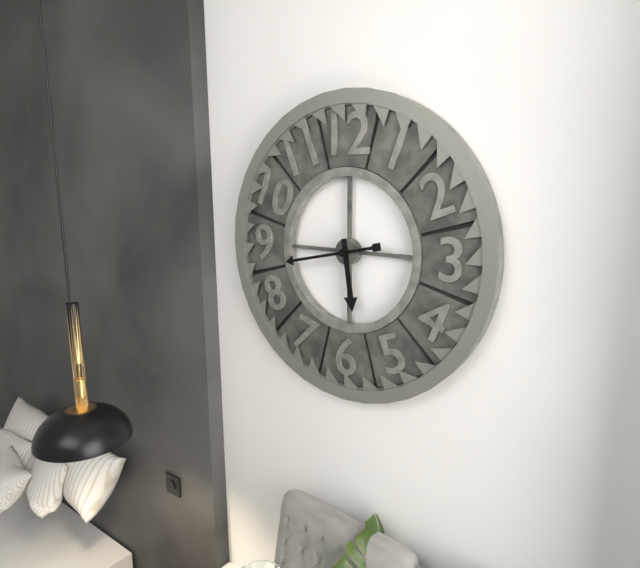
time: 5:43
